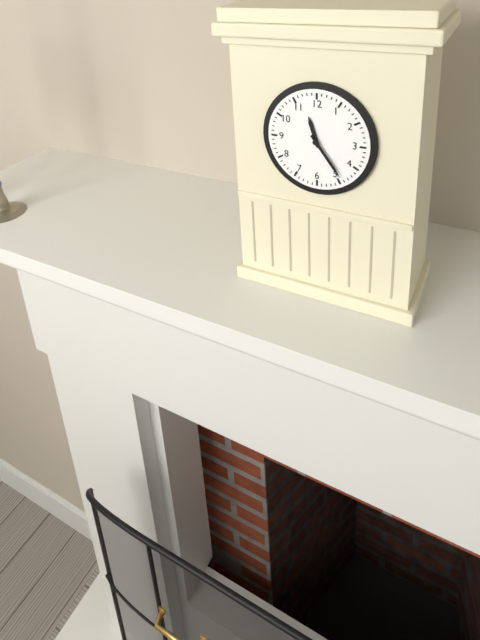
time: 11:24
